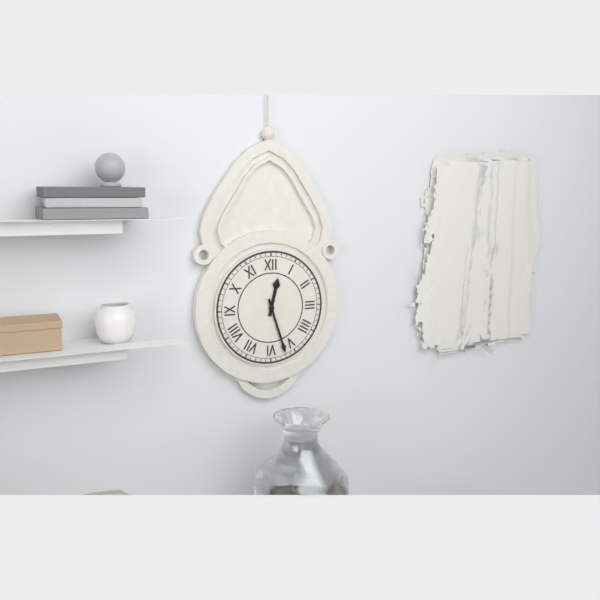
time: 12:27
